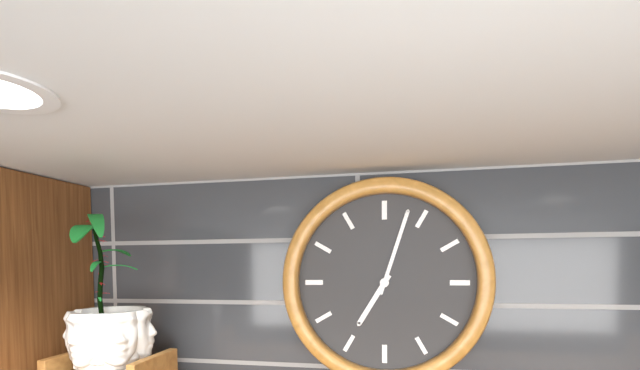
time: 7:03
